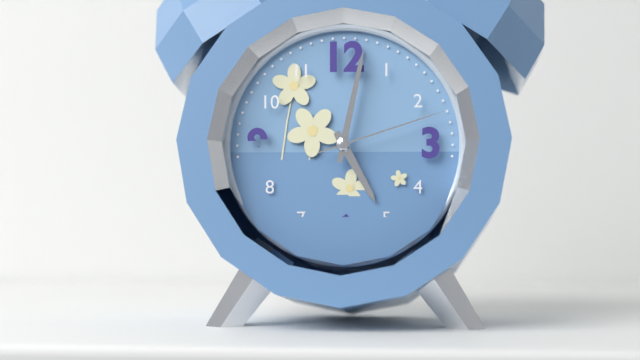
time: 5:02:12
